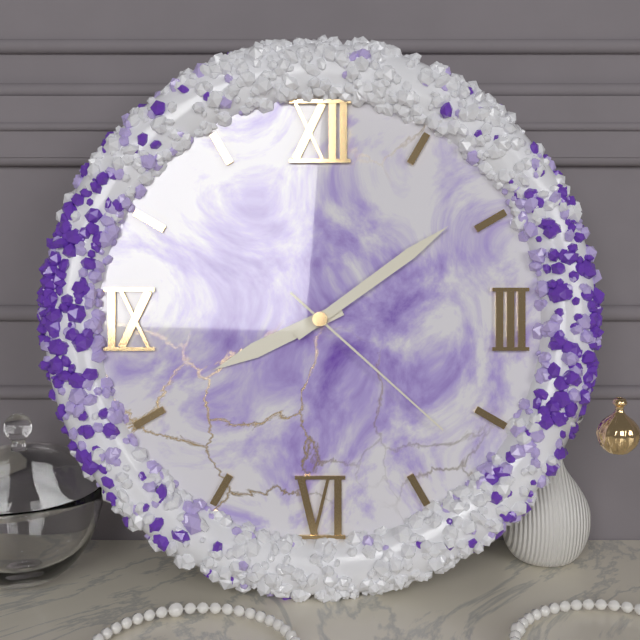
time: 8:09:22
